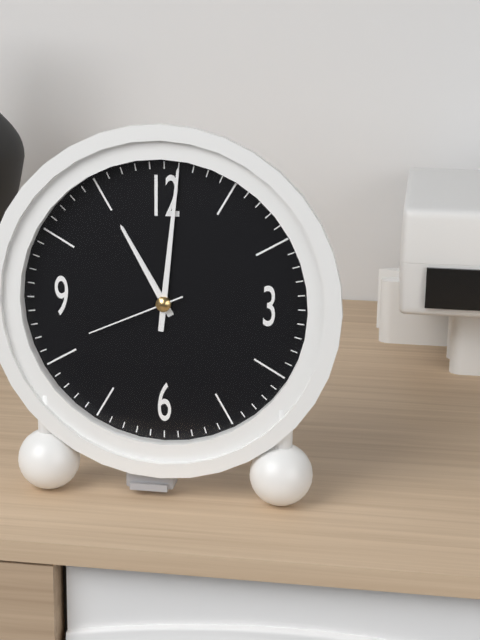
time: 11:01:41
